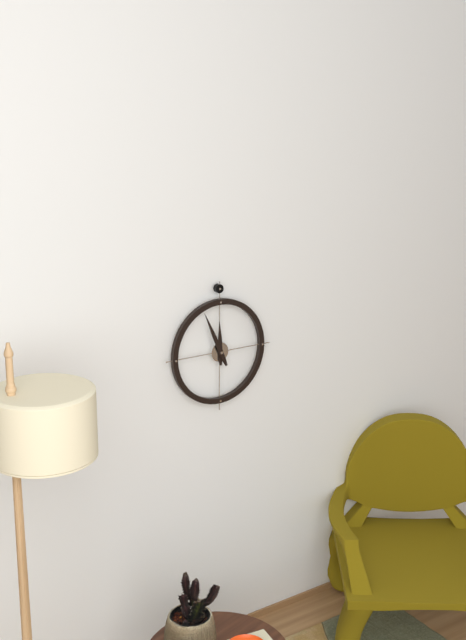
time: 11:56
